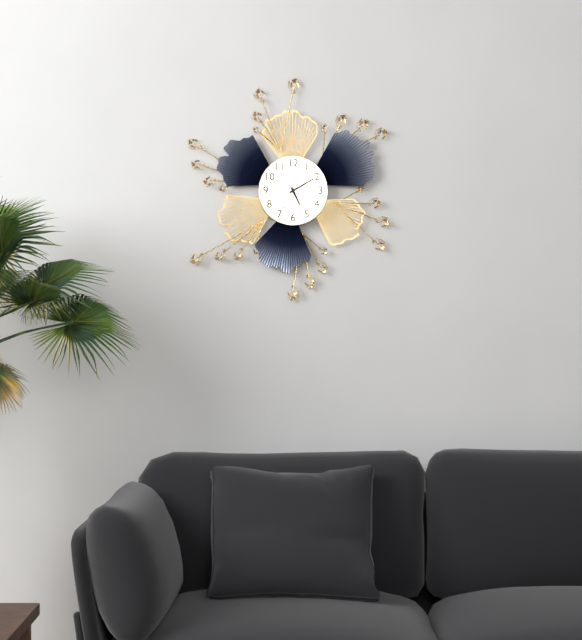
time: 5:10
